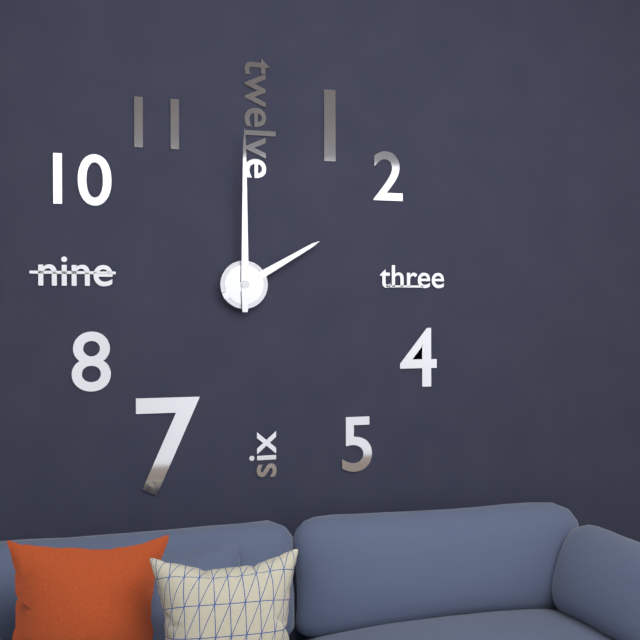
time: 2:00
